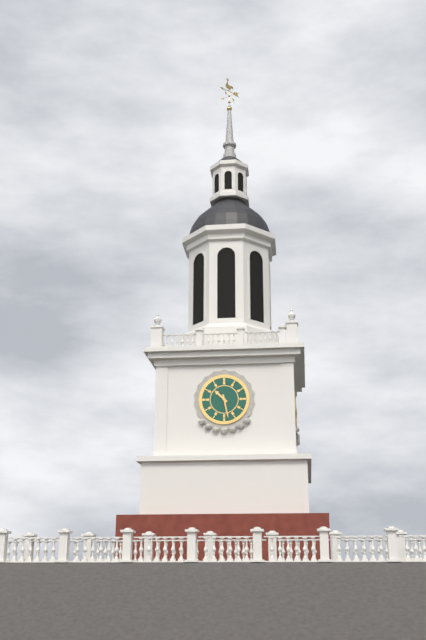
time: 10:28
